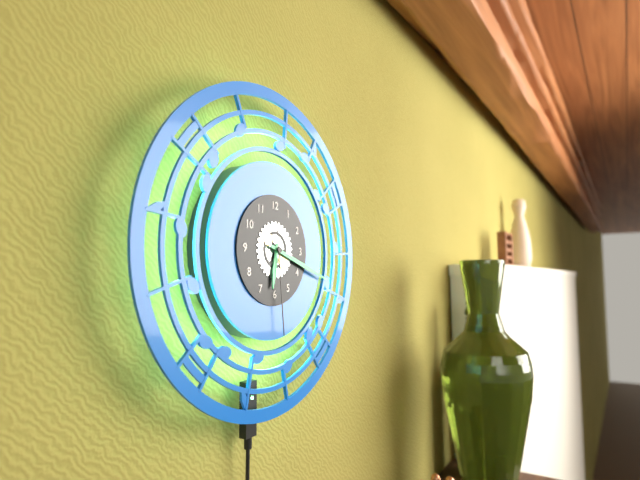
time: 6:18:29
